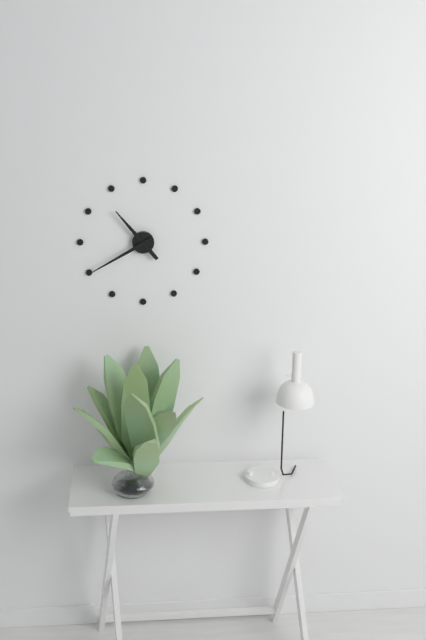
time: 10:40
